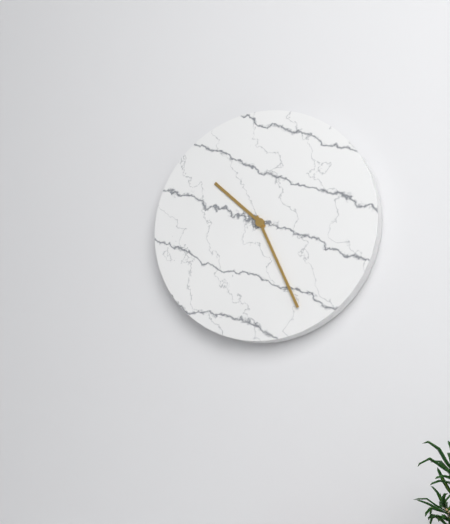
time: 10:26
